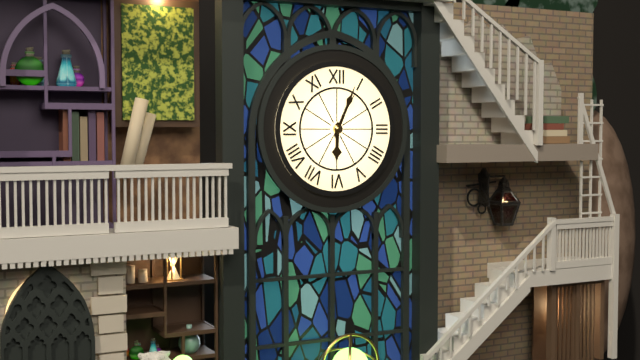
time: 6:04
